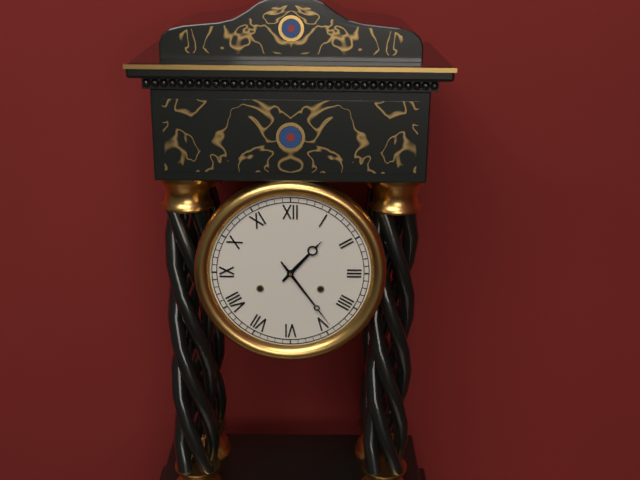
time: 1:24
